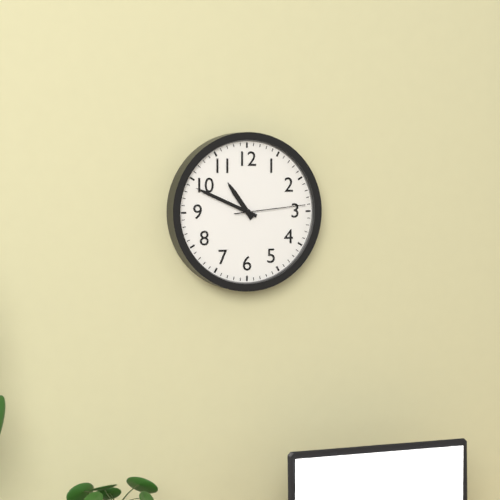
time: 10:49:14
